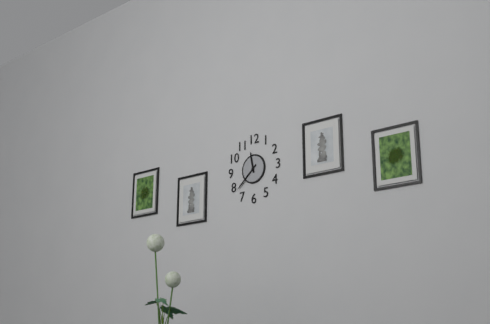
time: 11:38
